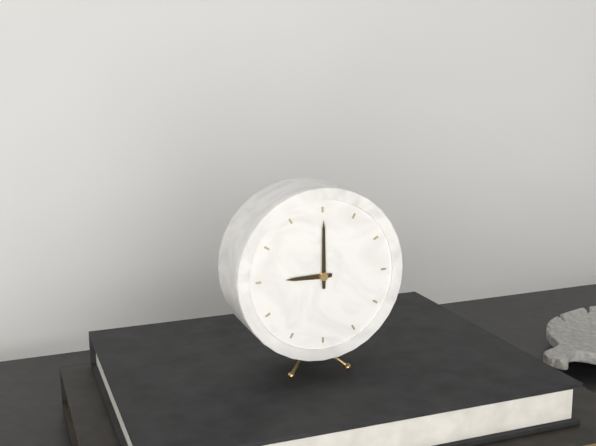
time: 9:00
